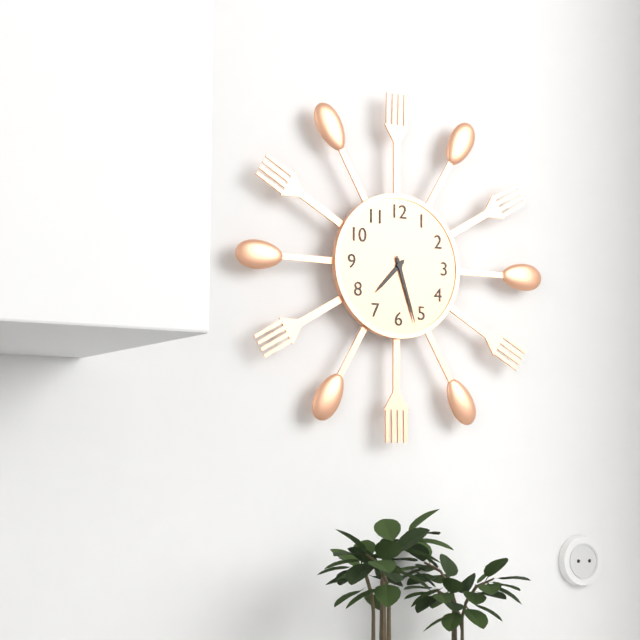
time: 7:27
